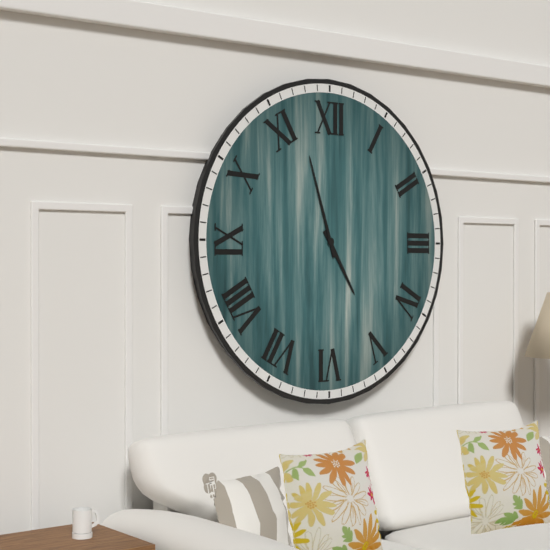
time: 4:57
